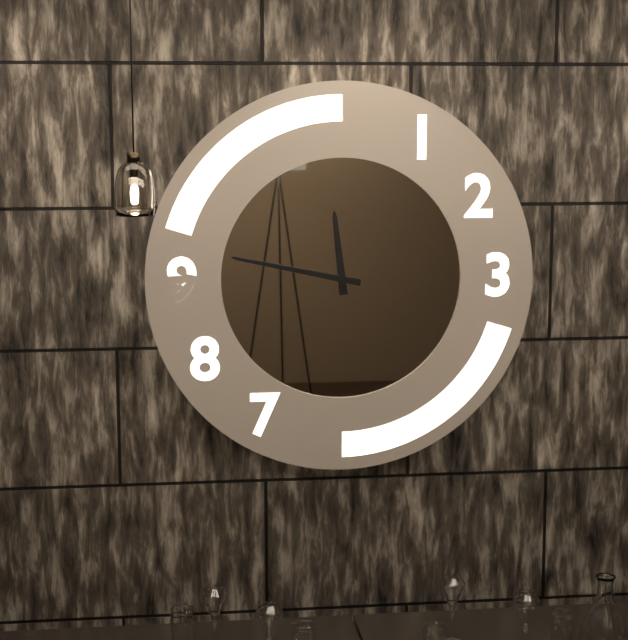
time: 11:47
